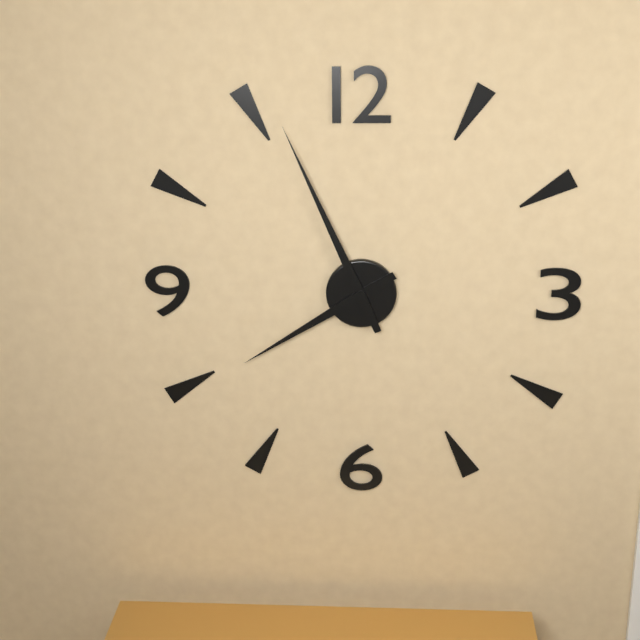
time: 7:56
